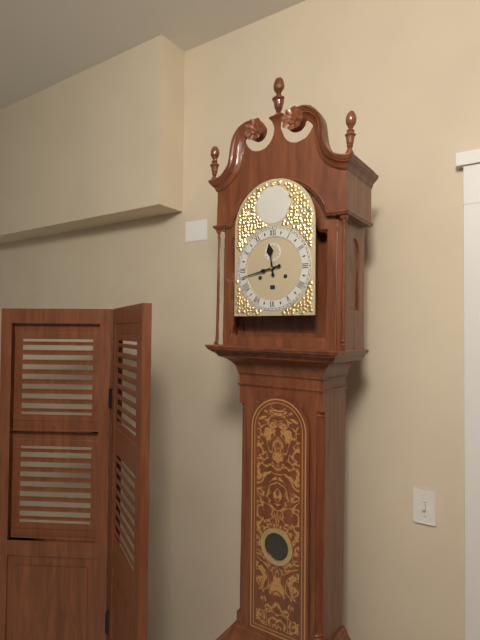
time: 11:43
